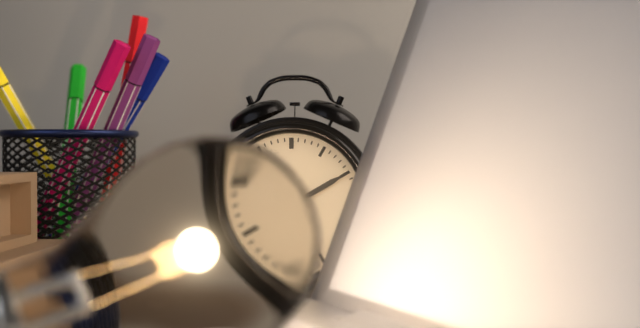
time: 9:10
